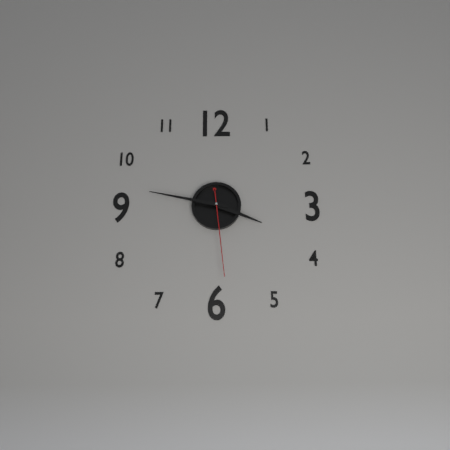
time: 3:47:29
